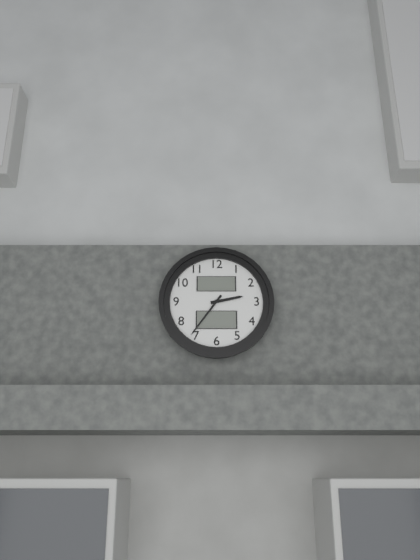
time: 2:36
